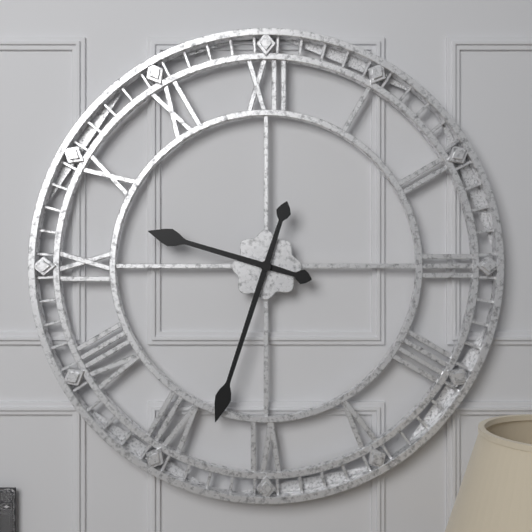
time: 9:33
